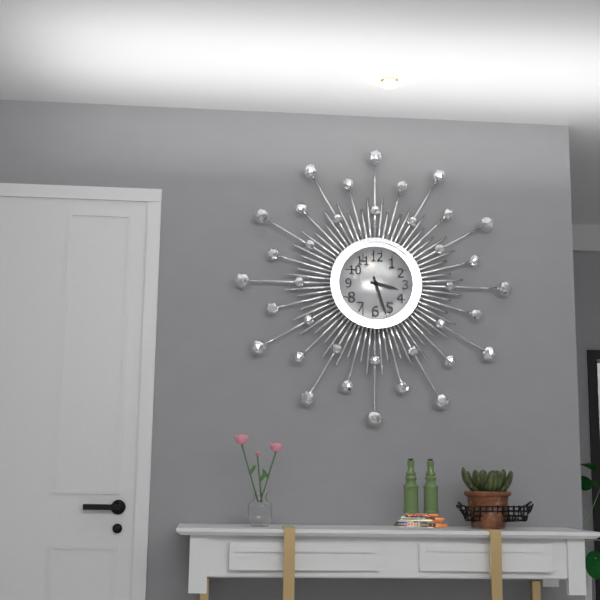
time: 3:27
